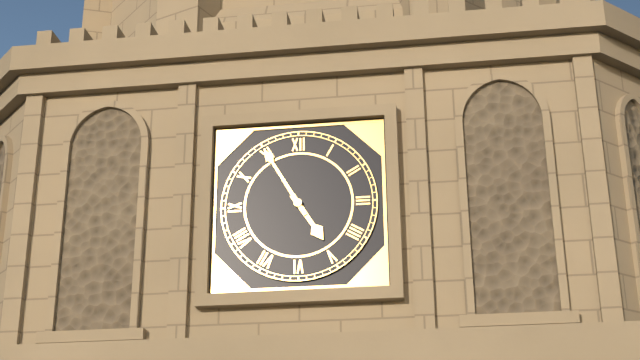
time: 4:55
